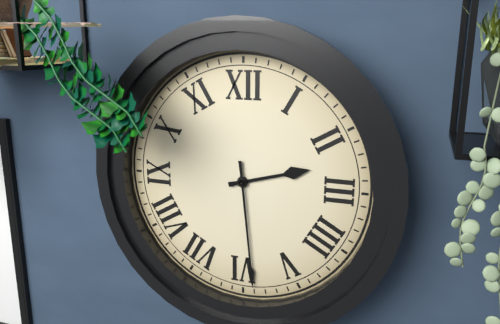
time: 2:29
